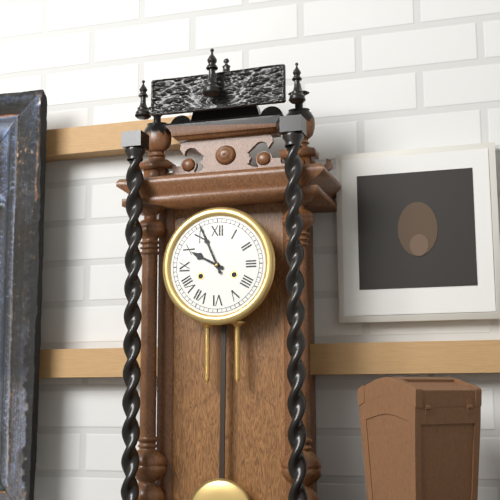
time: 9:56
